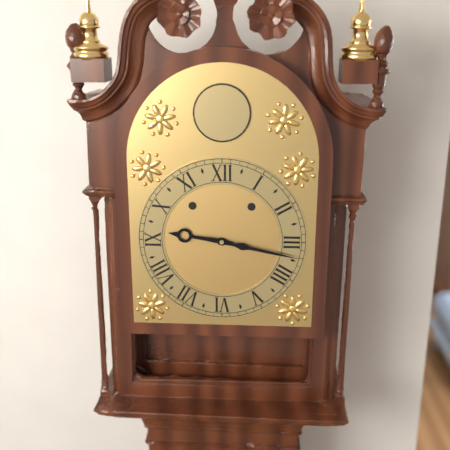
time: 9:17
